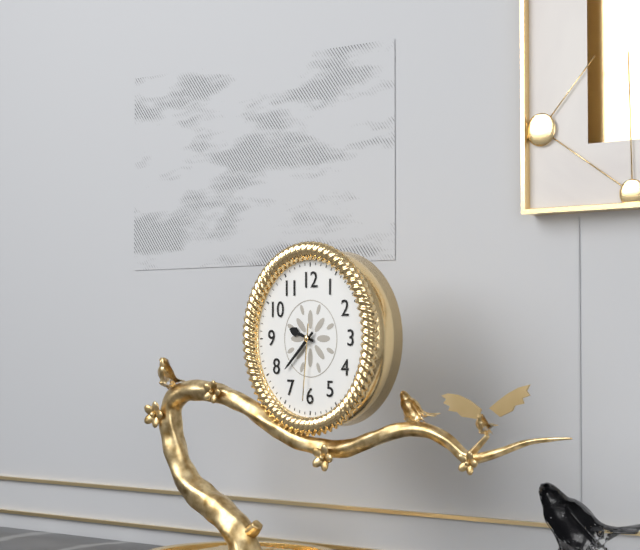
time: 9:38:31
